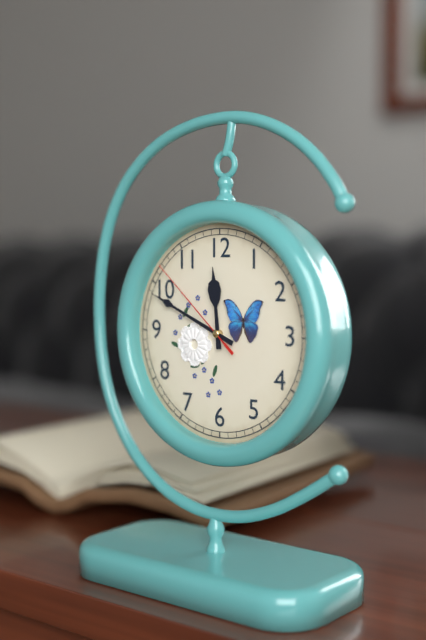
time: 11:49:52
